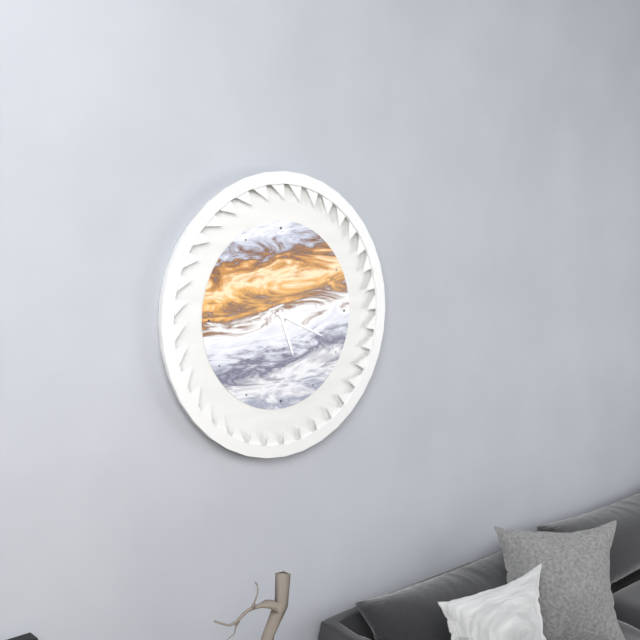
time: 5:19
